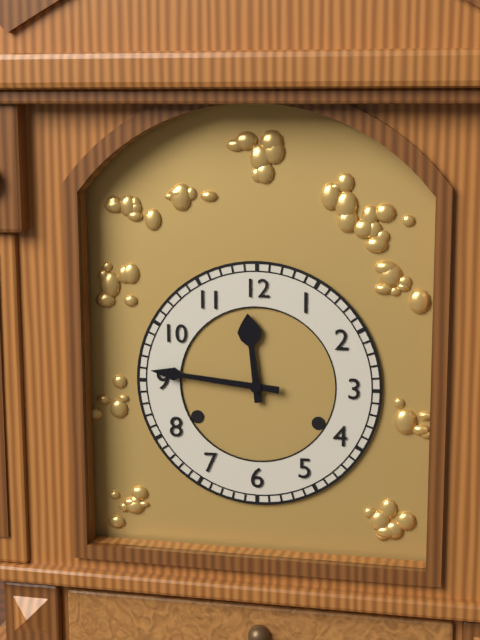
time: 11:46
